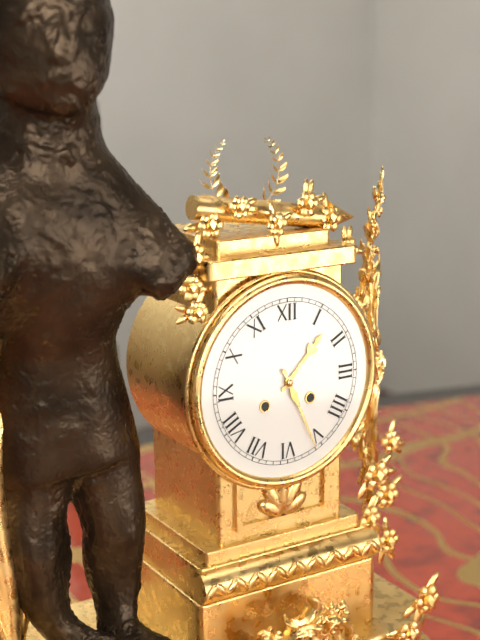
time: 1:26
